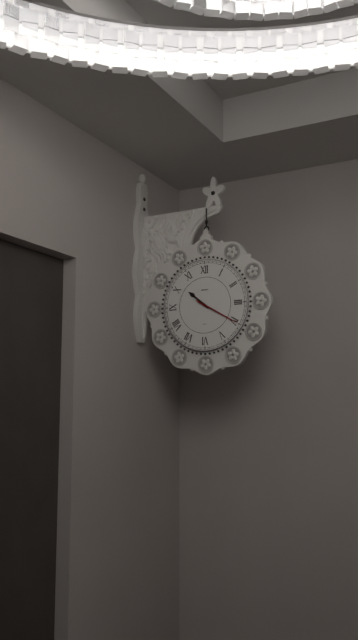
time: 10:20
